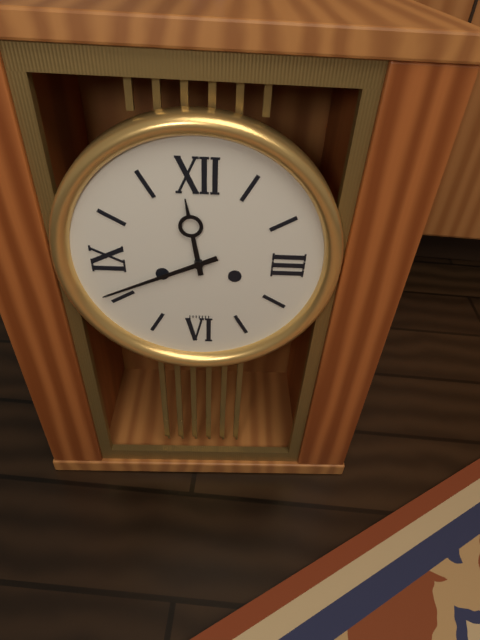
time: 11:41
